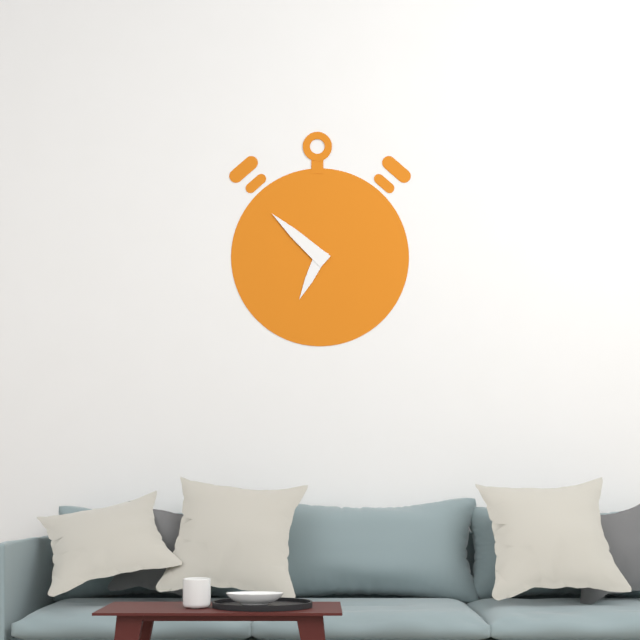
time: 6:52
